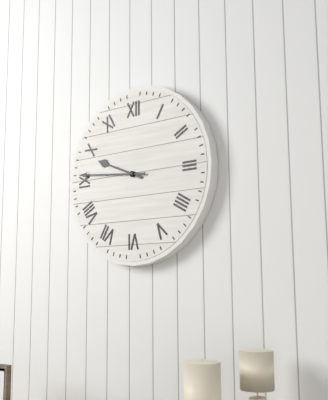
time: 9:46
